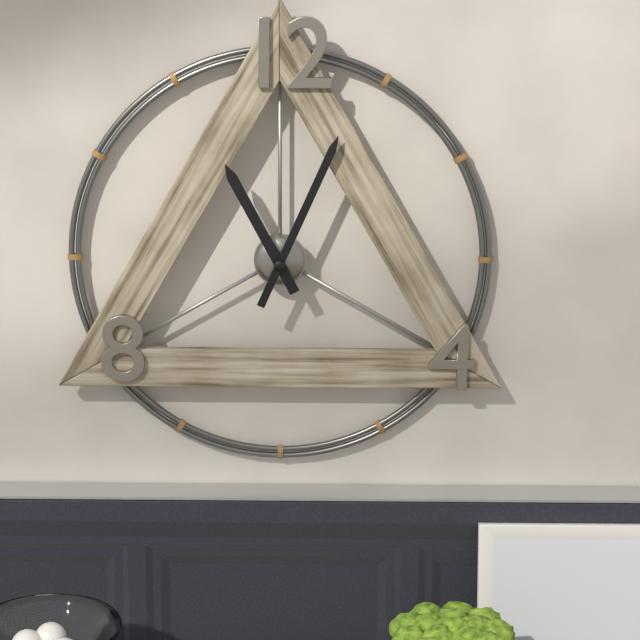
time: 11:04
